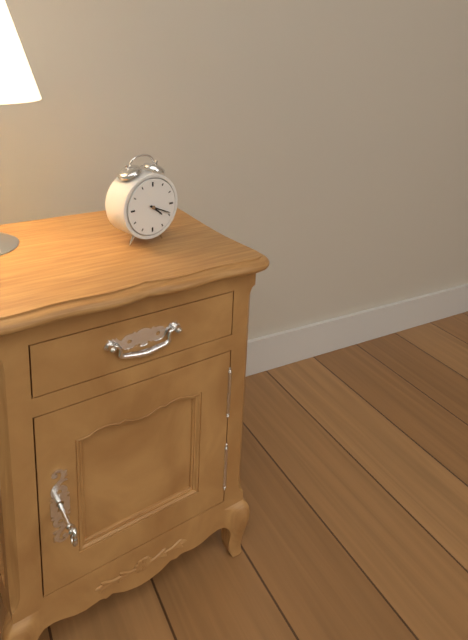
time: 4:19
